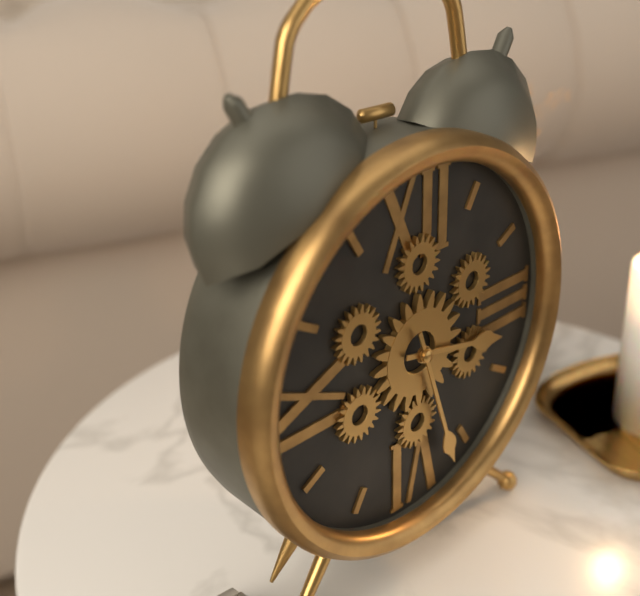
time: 3:27
